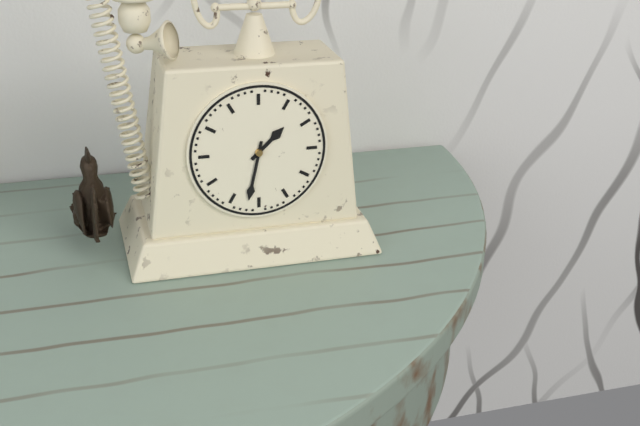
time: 1:32
